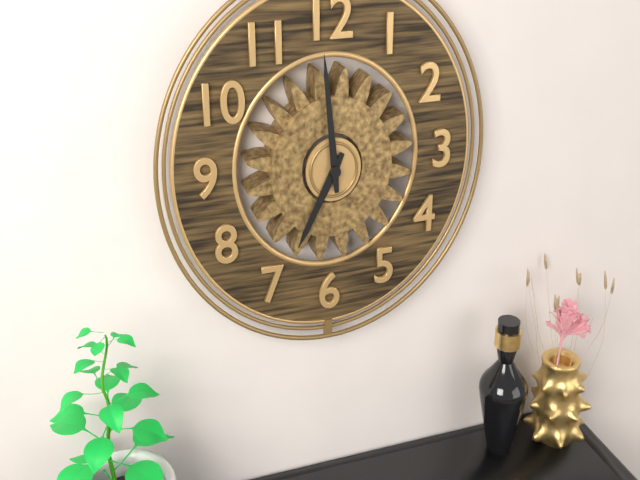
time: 6:59
